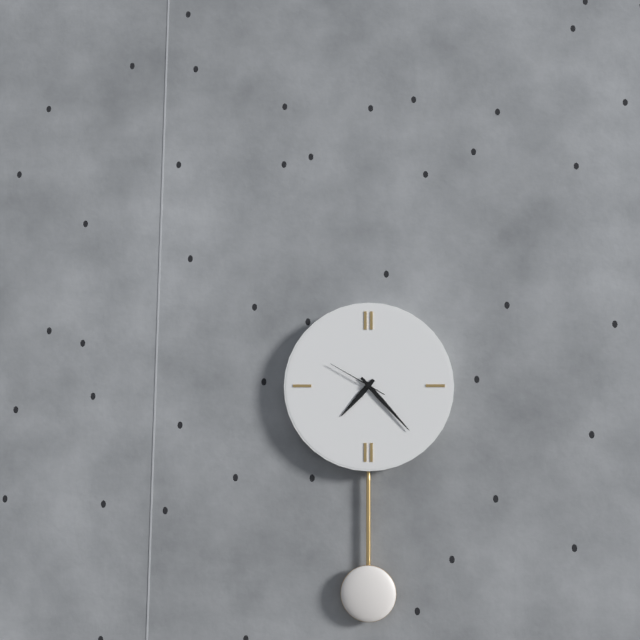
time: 7:23:50
